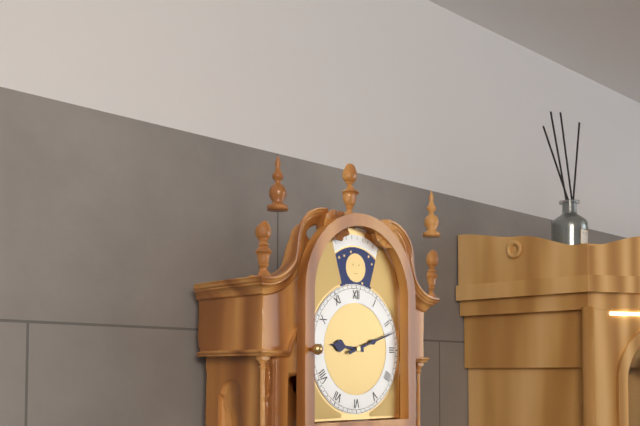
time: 9:12
